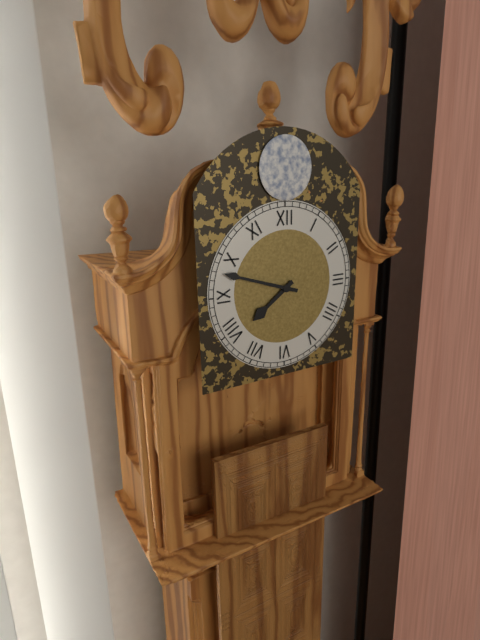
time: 7:48
